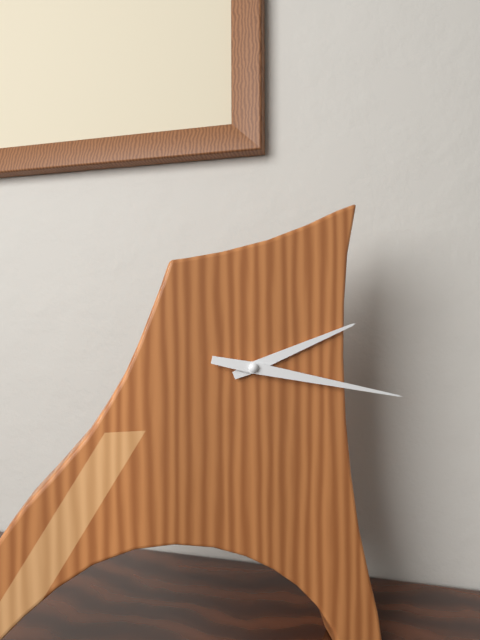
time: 2:17
